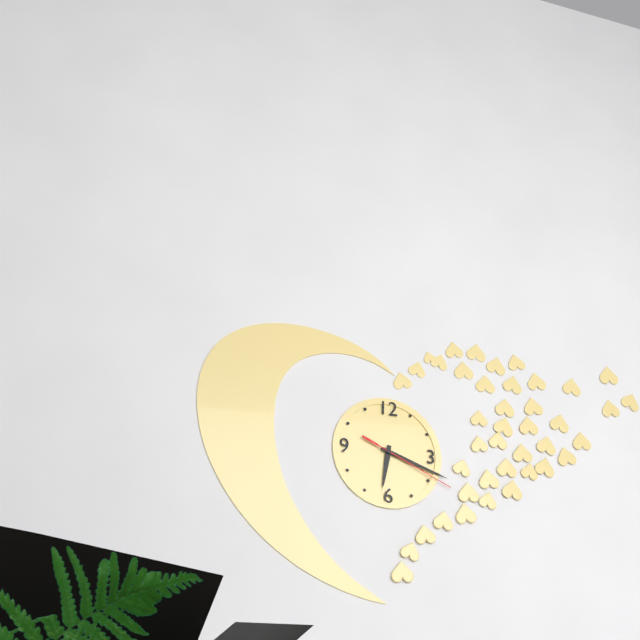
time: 6:18:19
